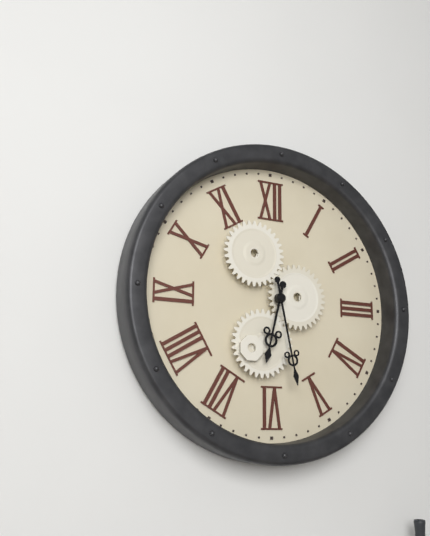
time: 6:28
